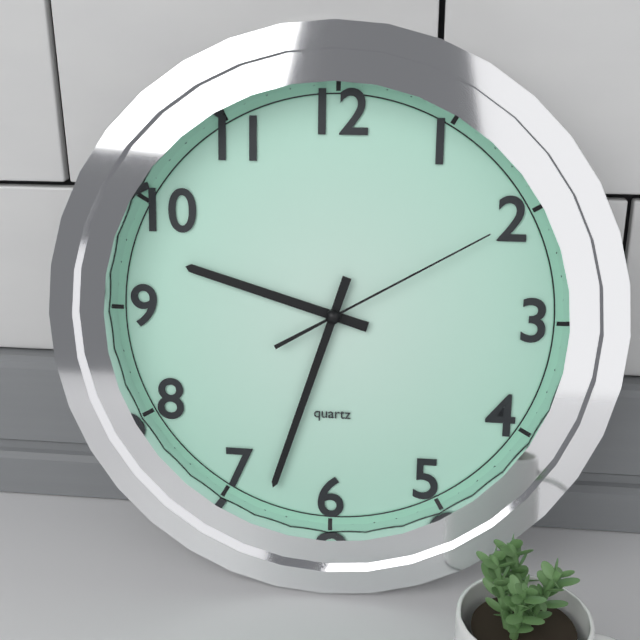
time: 9:33:10
